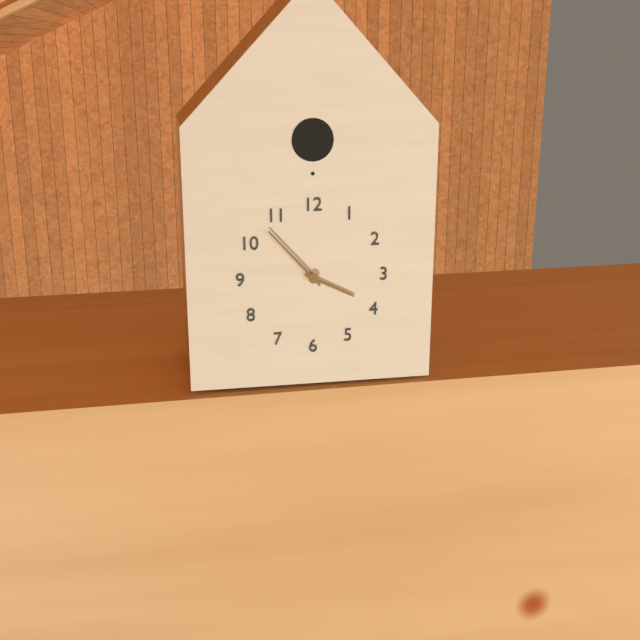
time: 3:53
